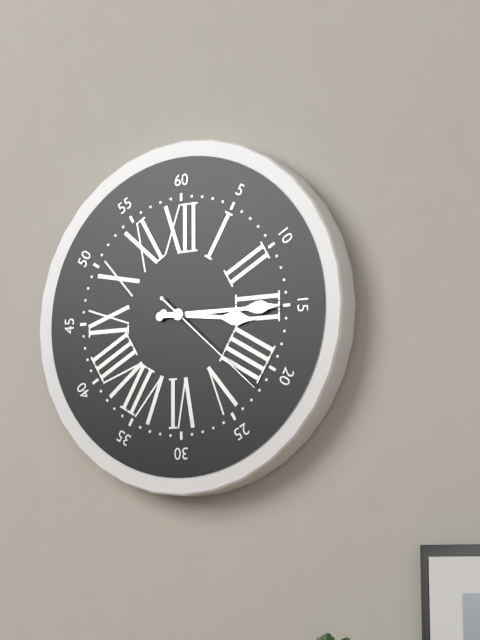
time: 3:15:22
